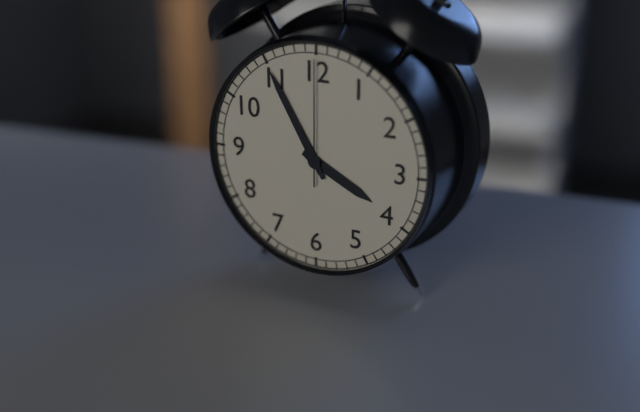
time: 3:55:00
